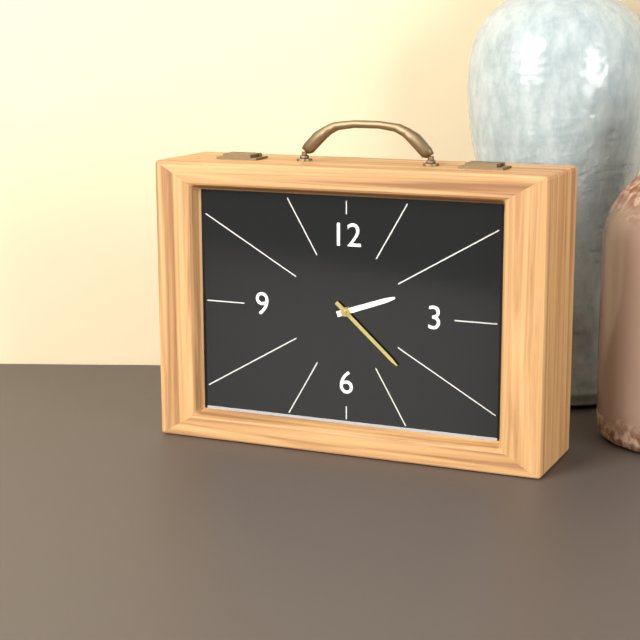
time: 2:22
